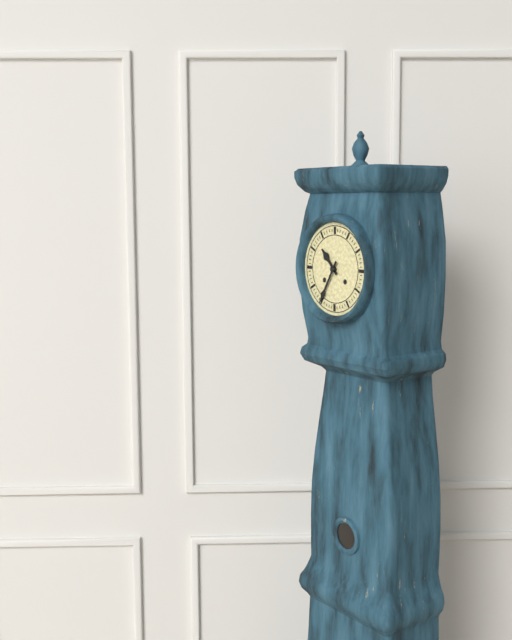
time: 10:35
